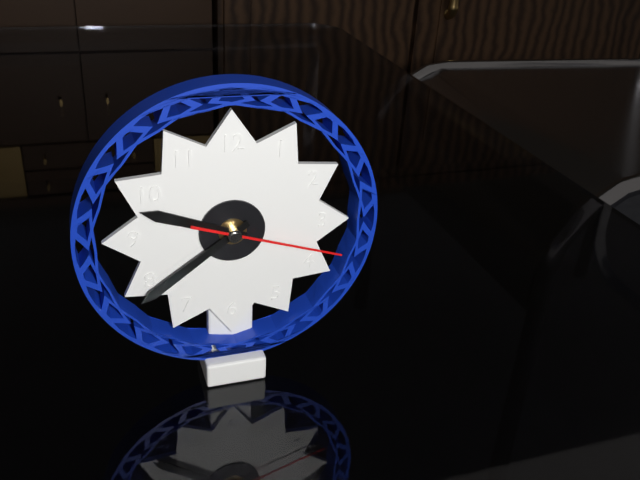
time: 9:39:18
